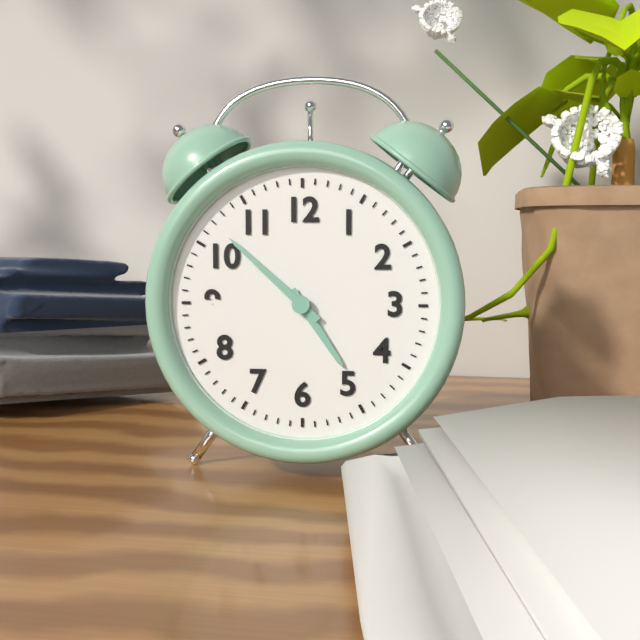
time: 4:52
